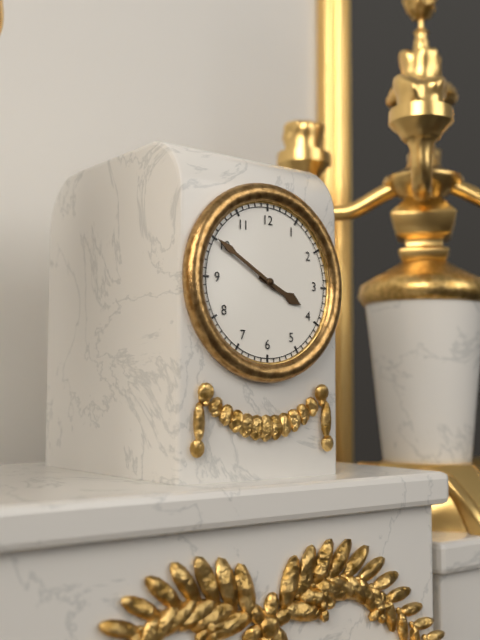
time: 3:50
